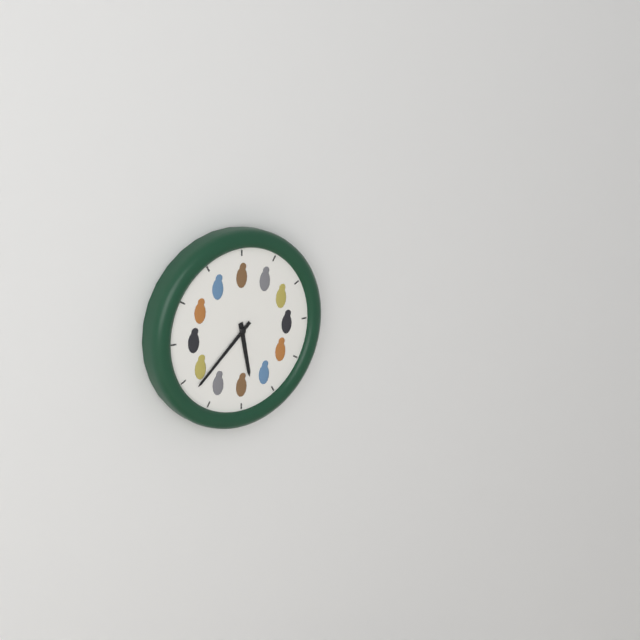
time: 5:38
